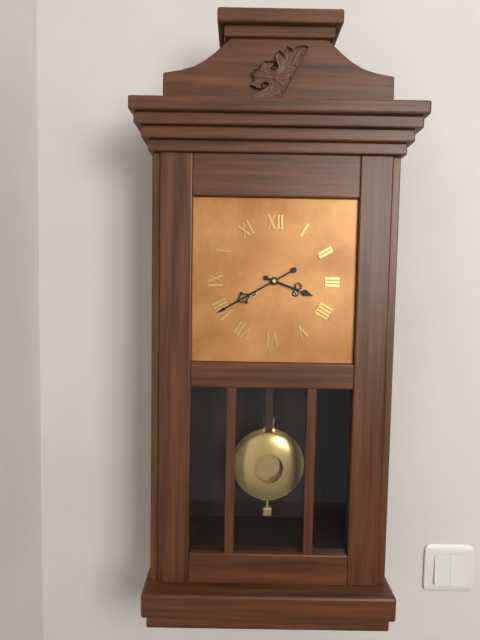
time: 3:40
